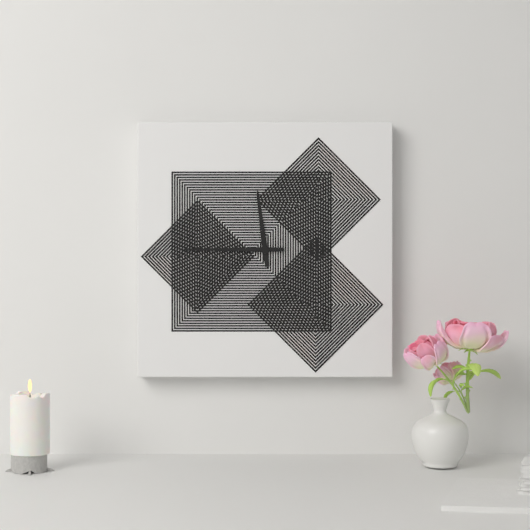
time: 11:45
